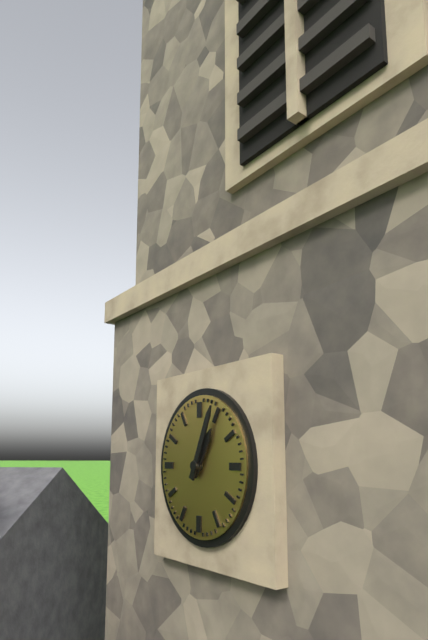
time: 1:04
